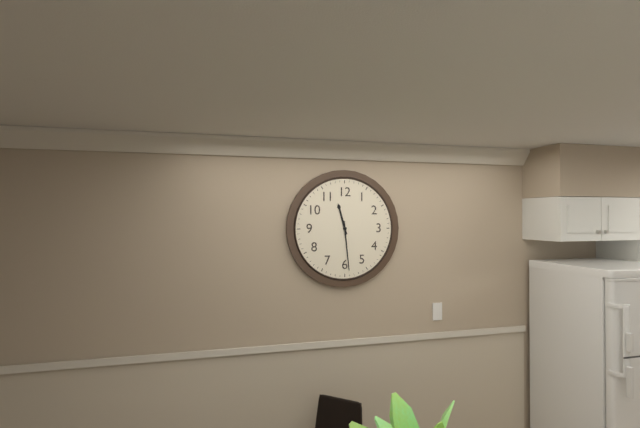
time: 11:29
